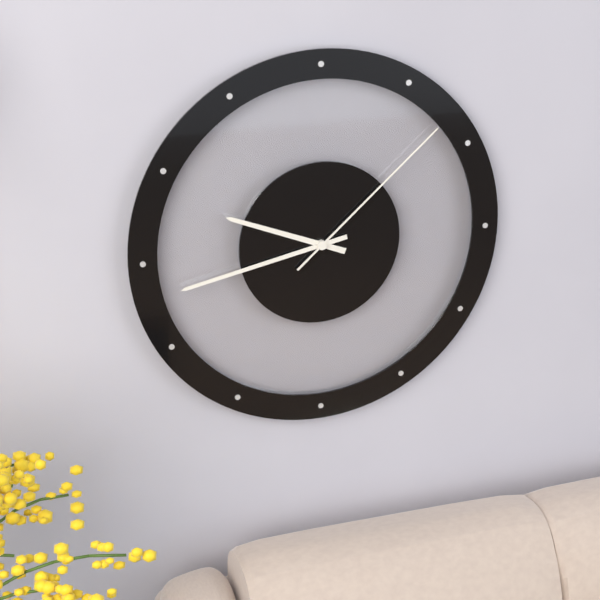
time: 9:43:08
